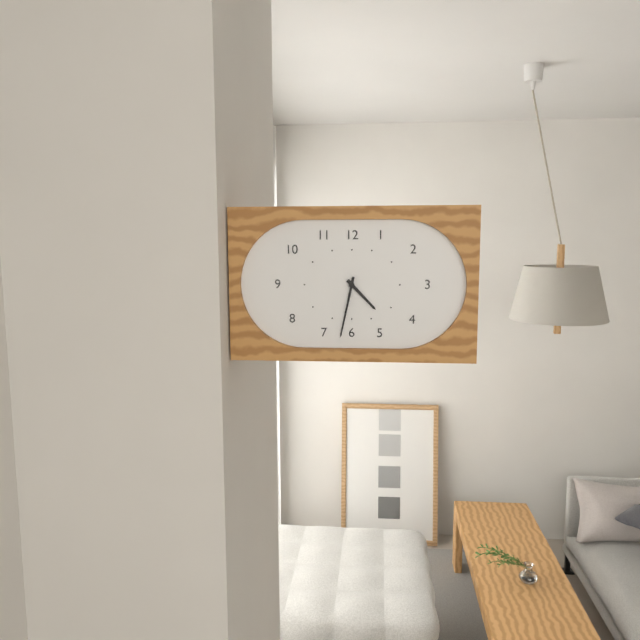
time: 4:32
